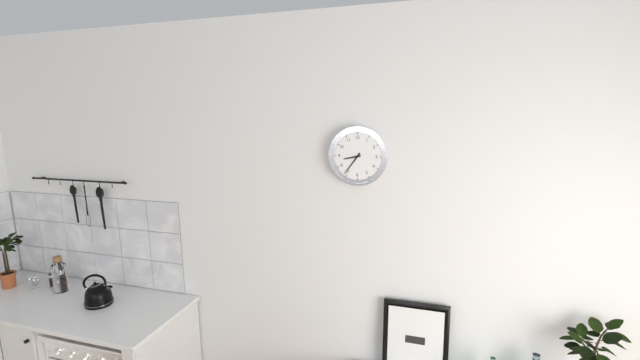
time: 8:36
